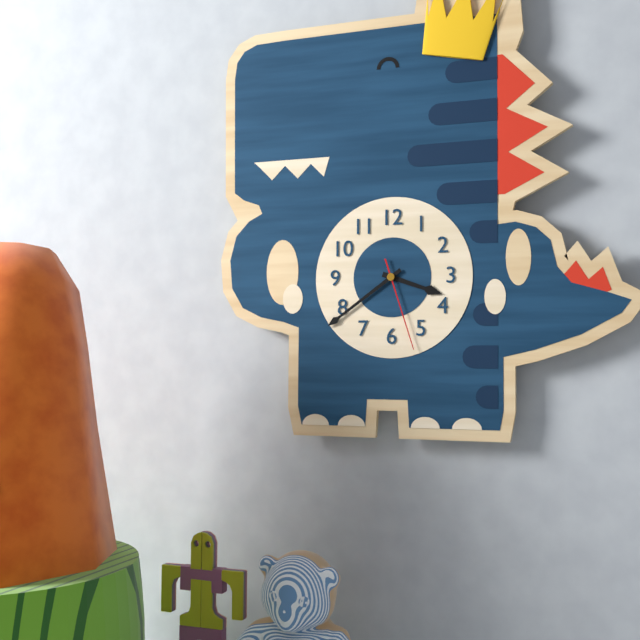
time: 3:39:27
